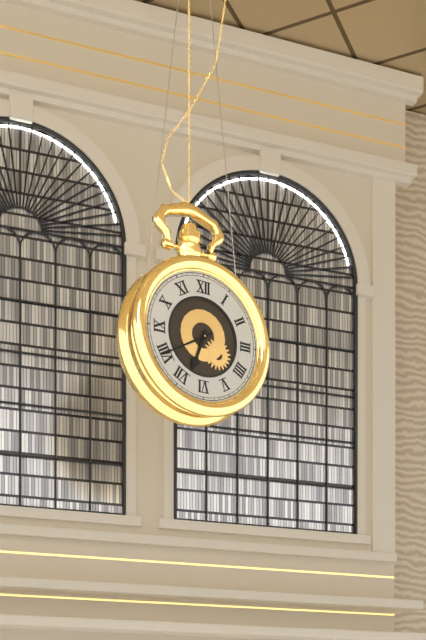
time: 6:40
